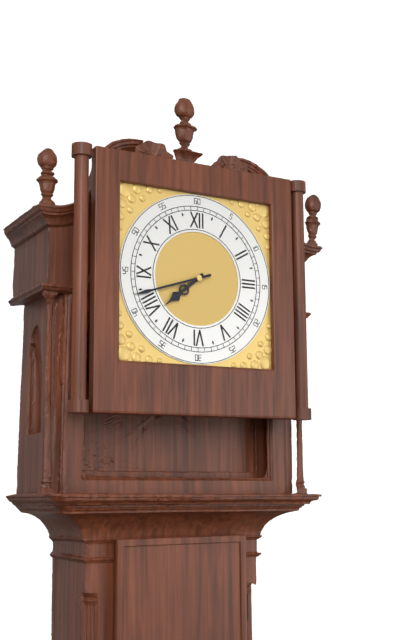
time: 7:42
